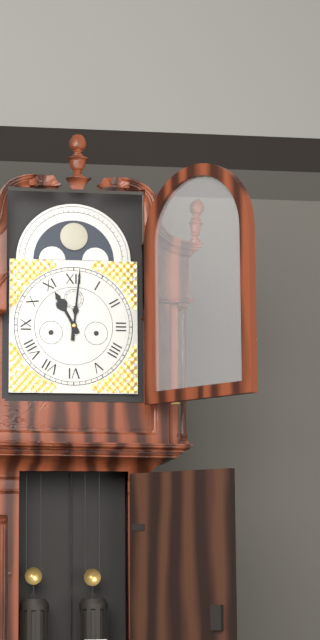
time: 11:01
